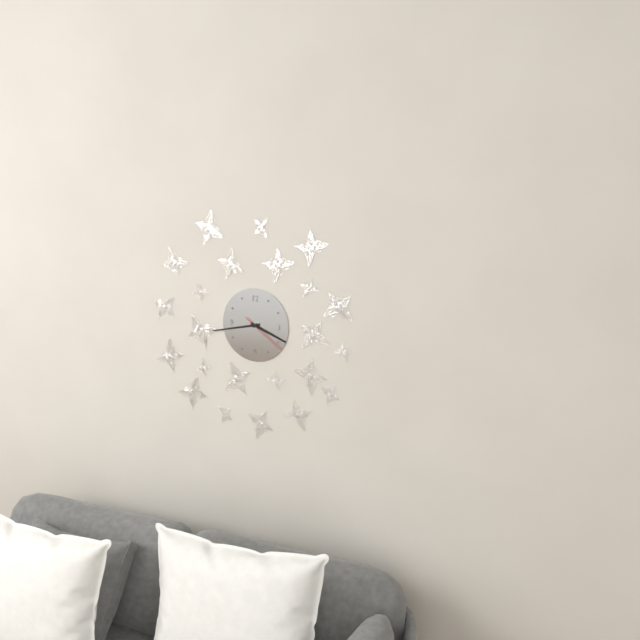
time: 3:43
